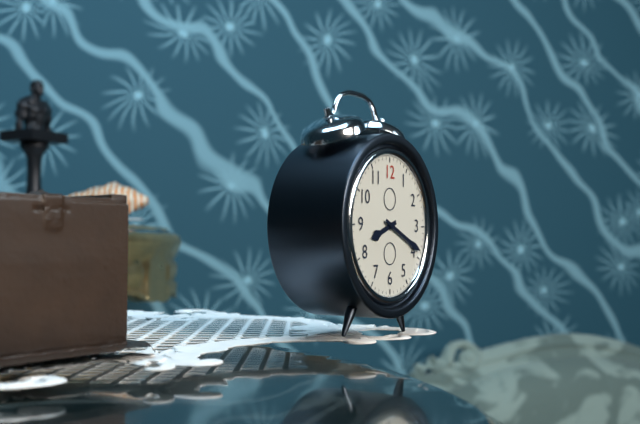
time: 8:19
